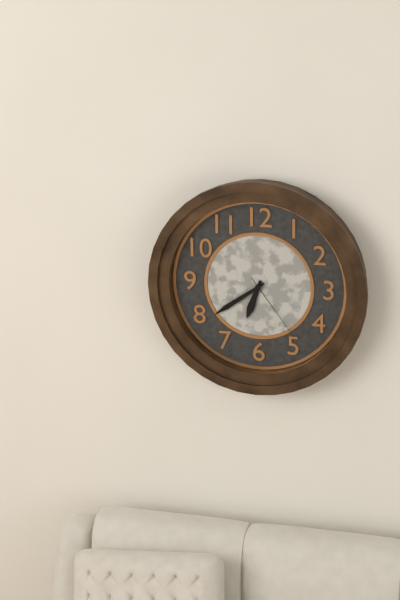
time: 6:39:24
